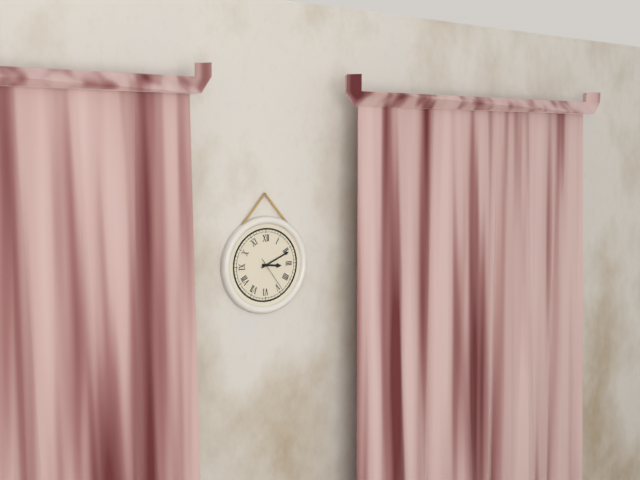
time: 3:11
